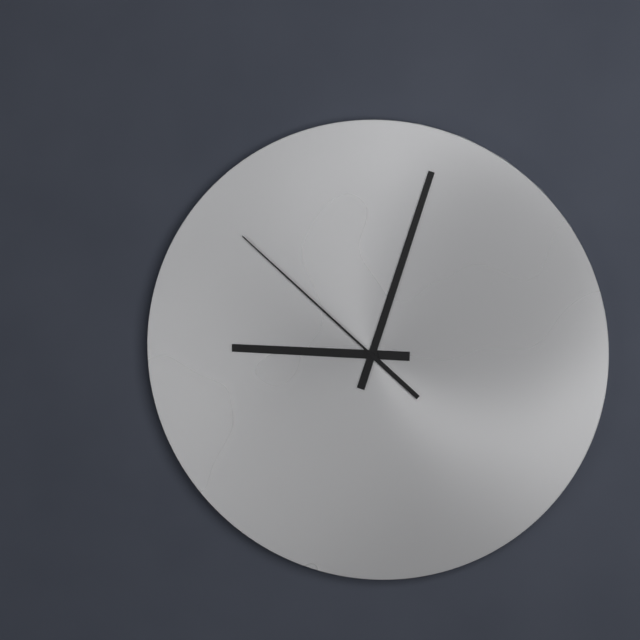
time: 9:03:52
